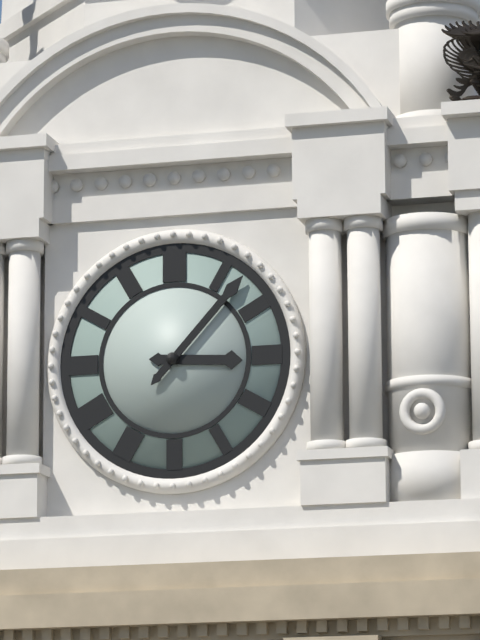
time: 3:07
